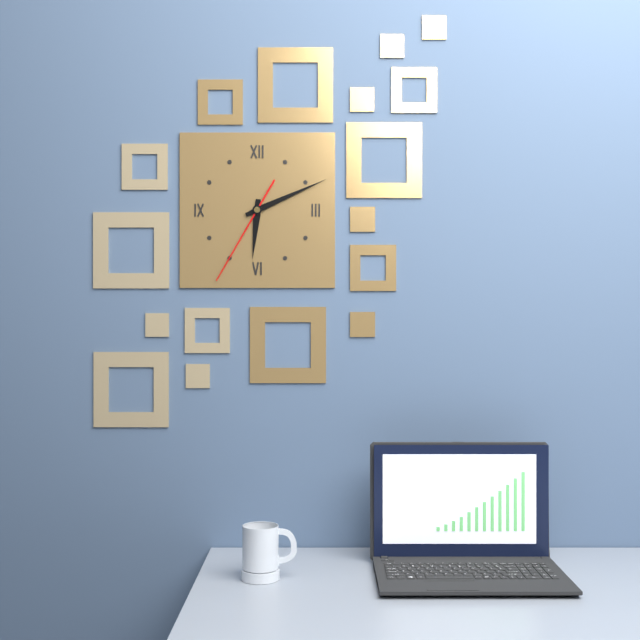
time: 6:11:35
